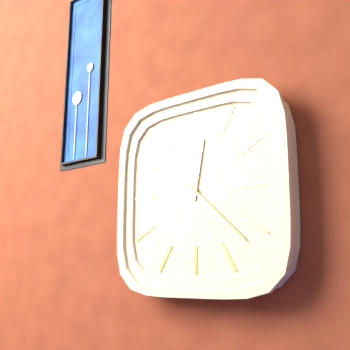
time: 12:22
